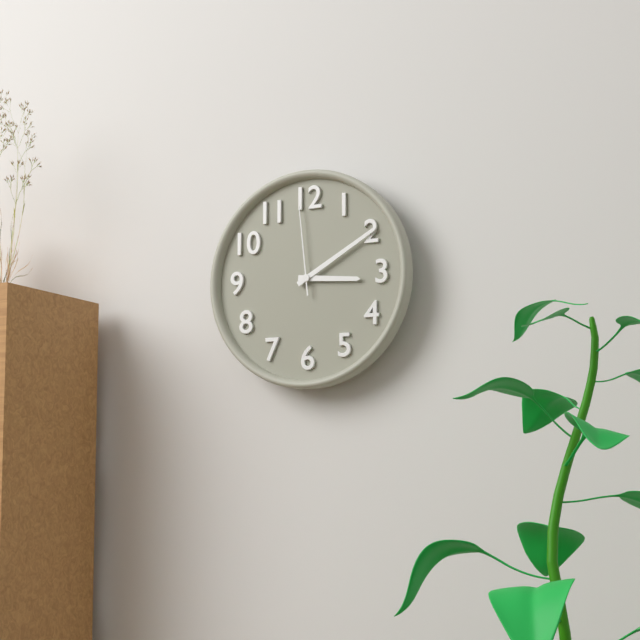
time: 3:10:59
